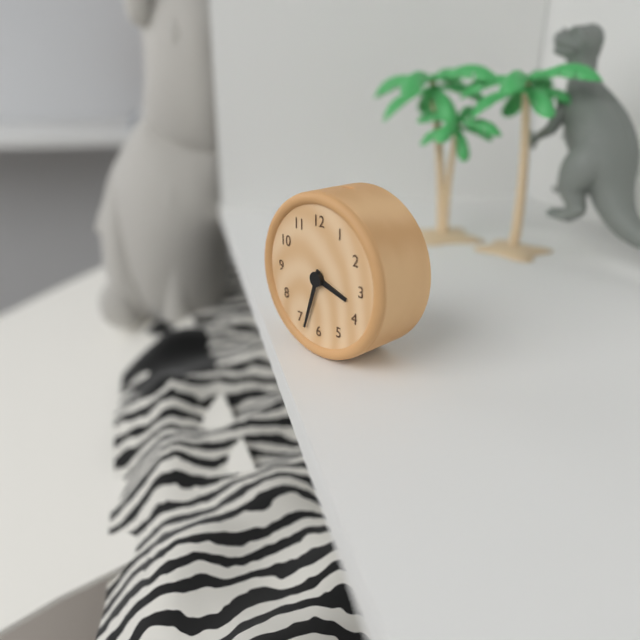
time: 3:33
